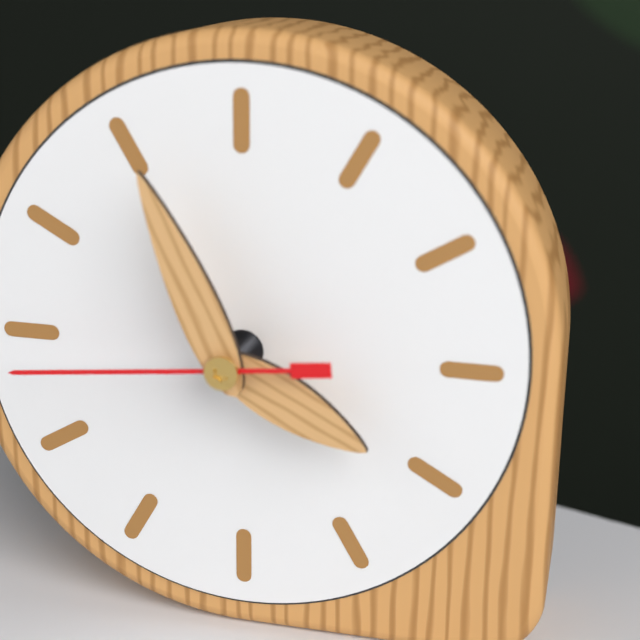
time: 3:56:44
